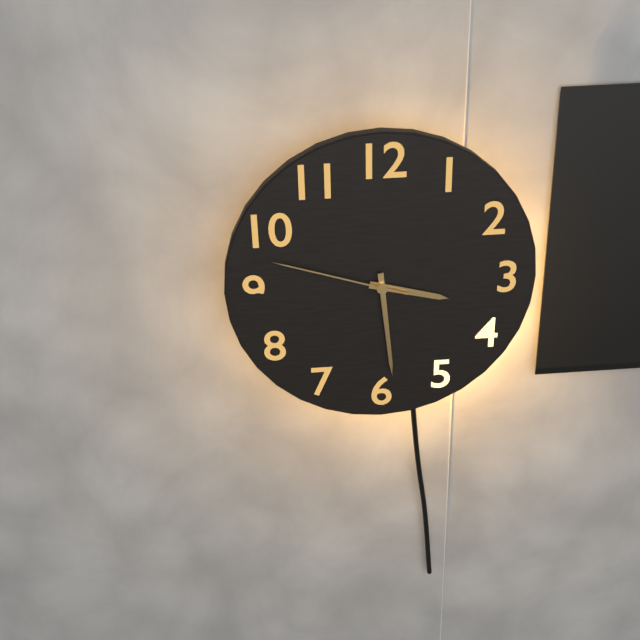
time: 3:29:48
